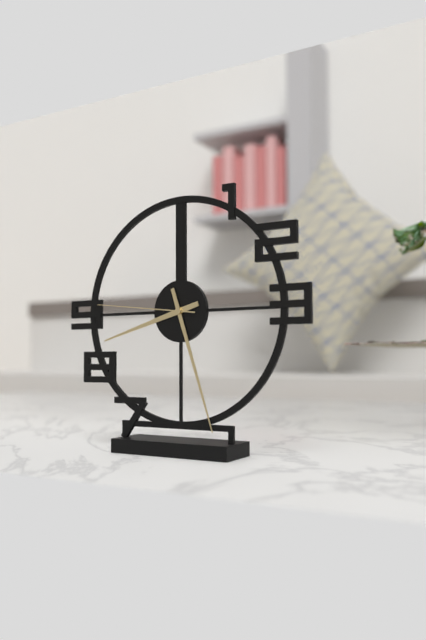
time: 8:27:46
